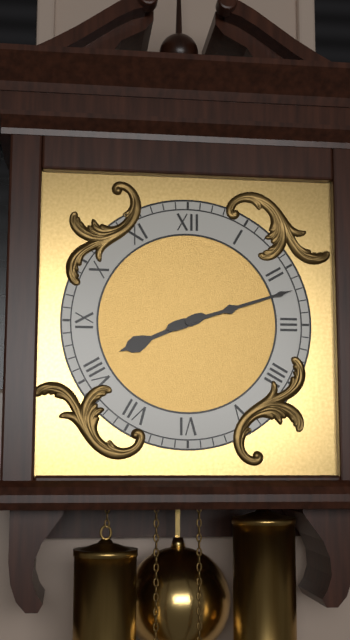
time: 8:12
